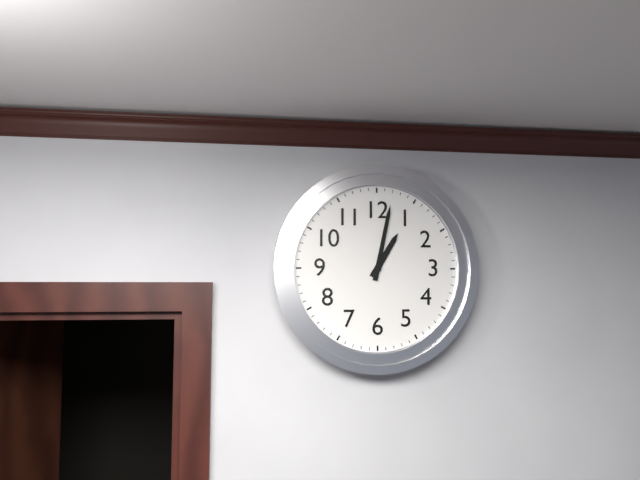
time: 1:02
